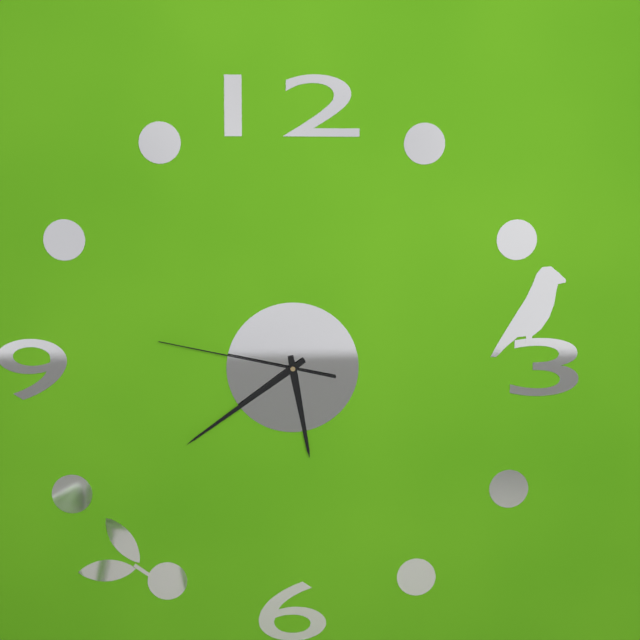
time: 5:39:47
